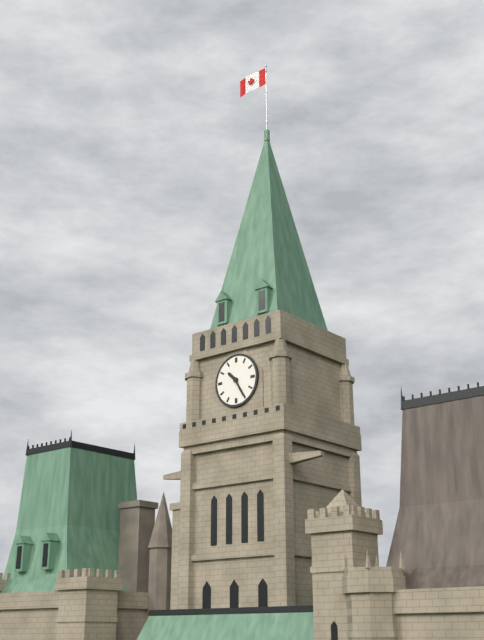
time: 10:25
